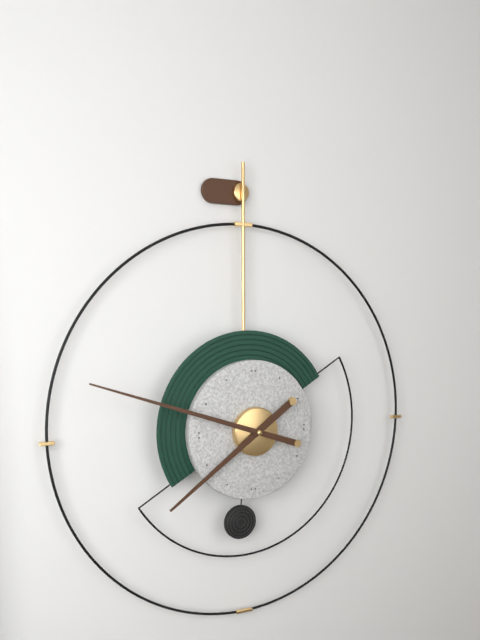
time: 7:48
